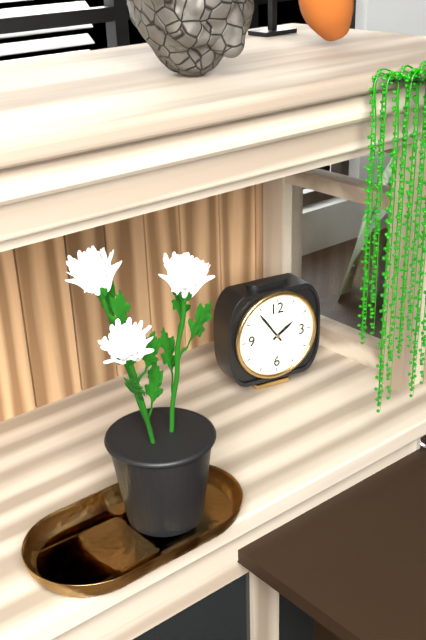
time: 1:54
